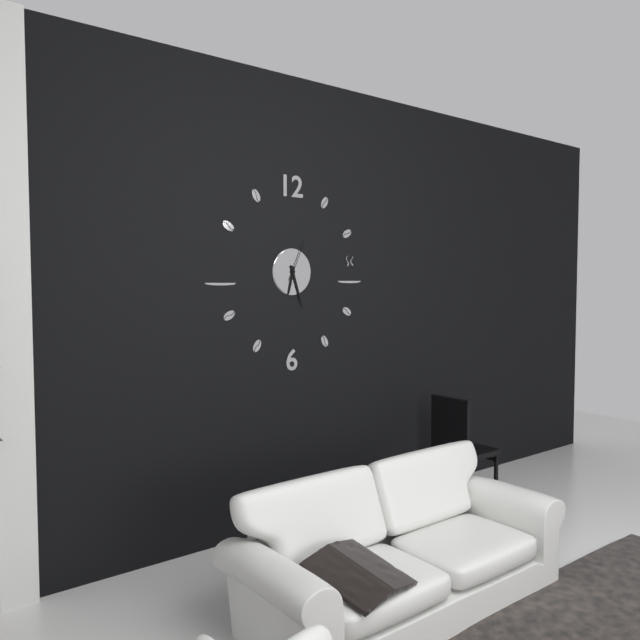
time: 6:27
